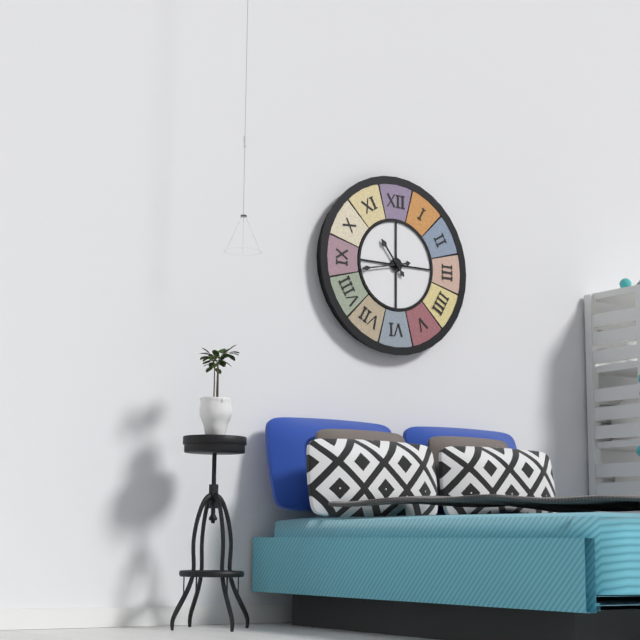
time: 10:43
